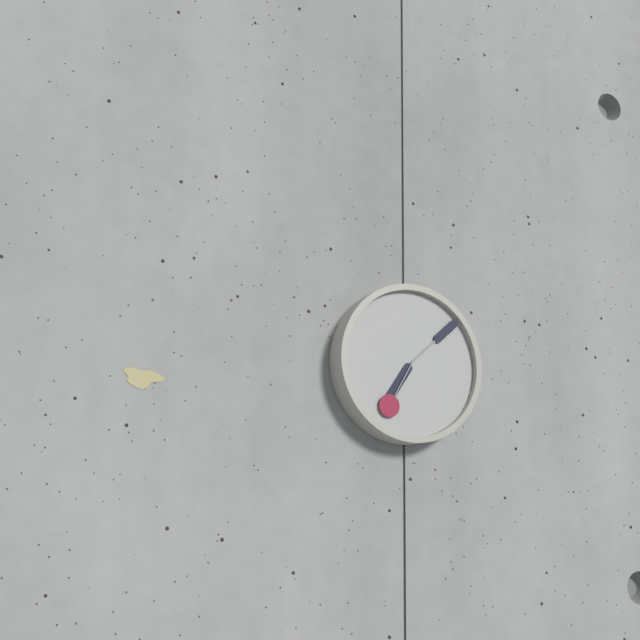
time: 7:08:35
